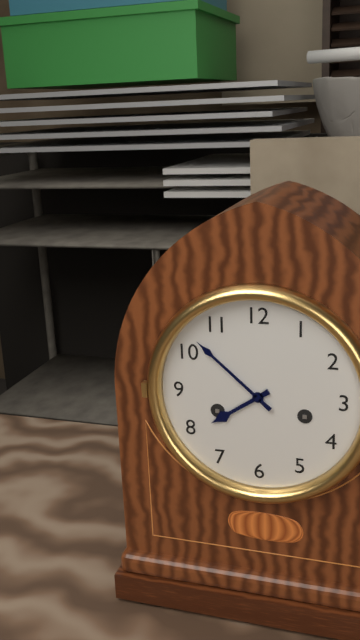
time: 7:52
